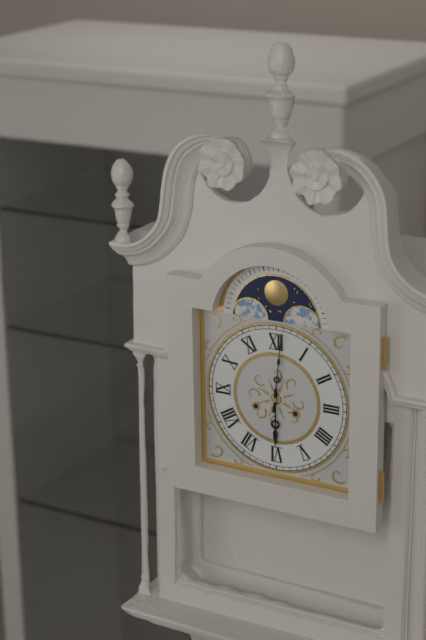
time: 6:01
